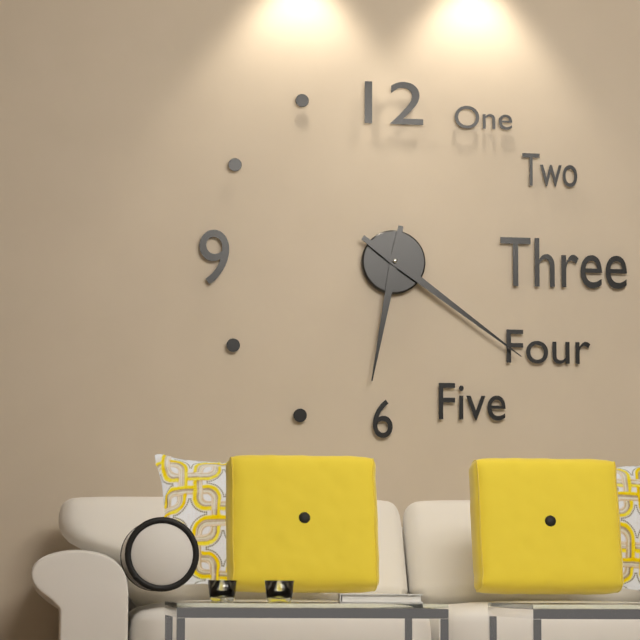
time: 6:21
